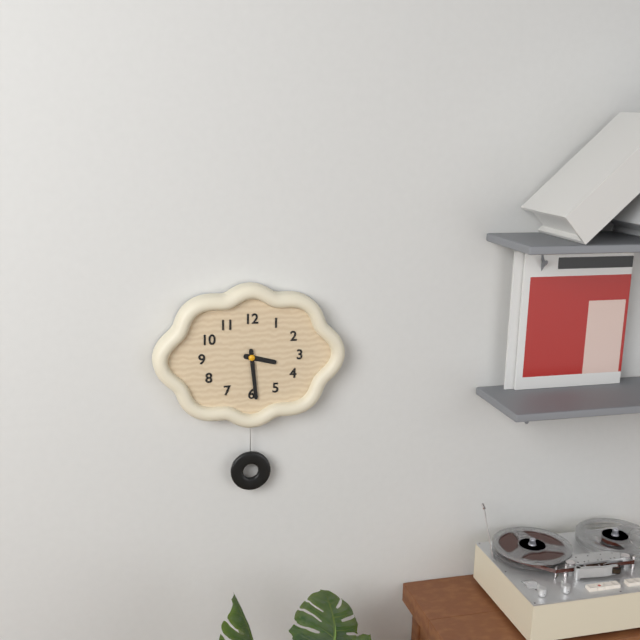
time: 3:29
